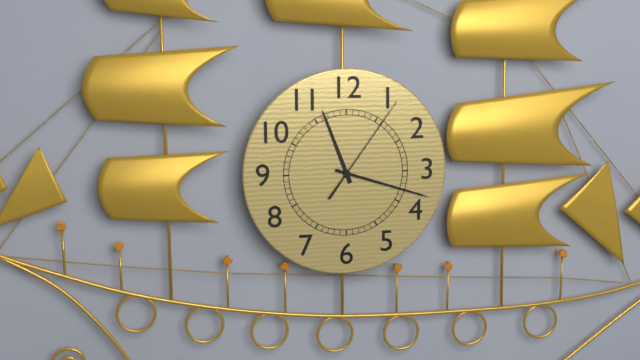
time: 11:18:06
